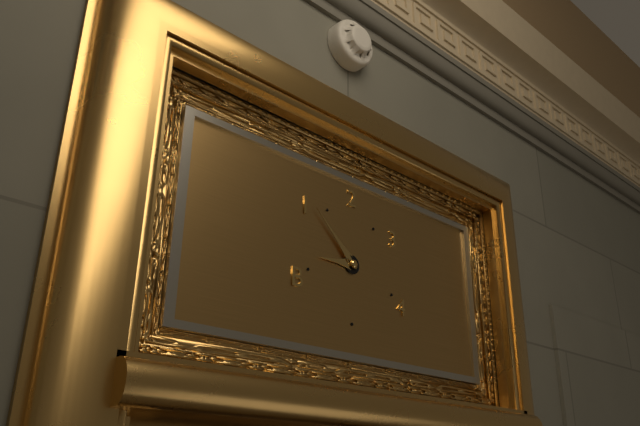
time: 8:52
